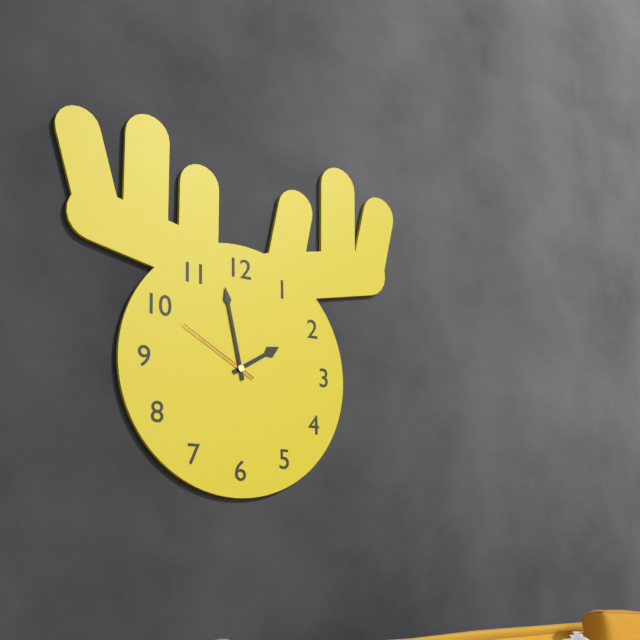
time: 1:58:50
